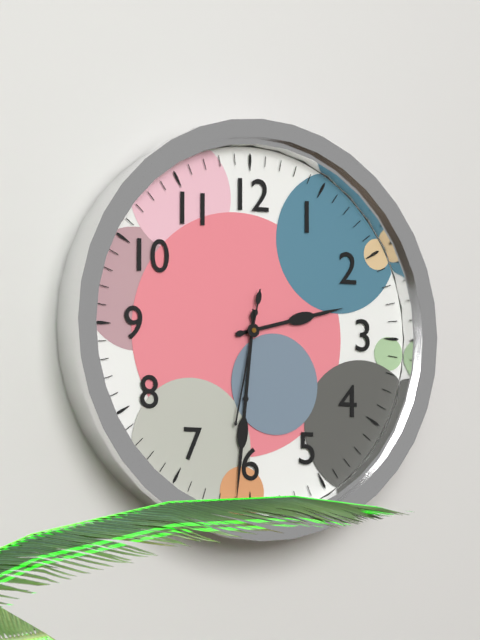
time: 2:31:32
